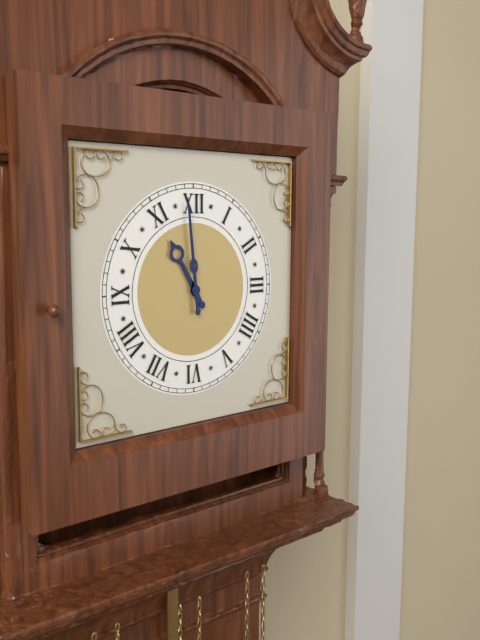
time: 10:59
